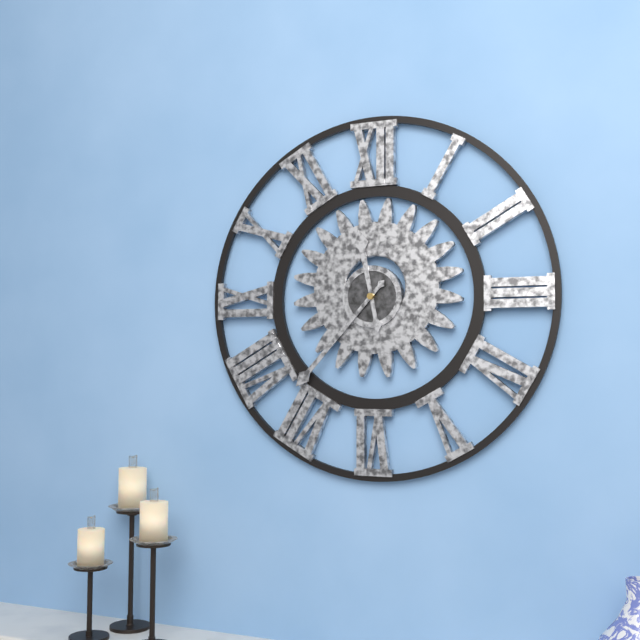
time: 11:37
